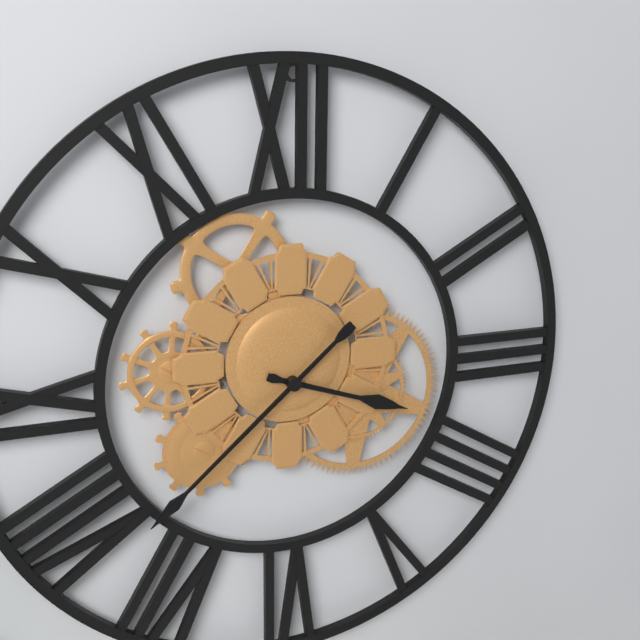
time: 3:38
